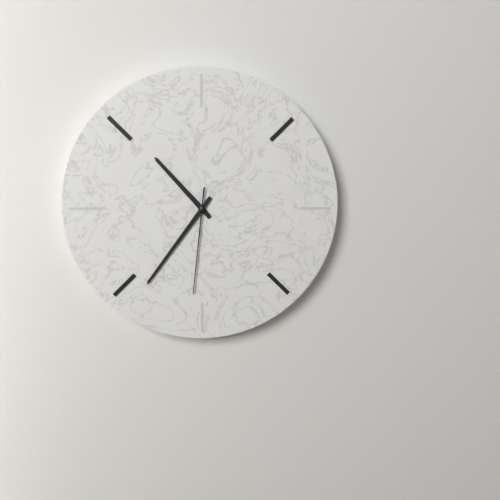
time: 10:36:31
